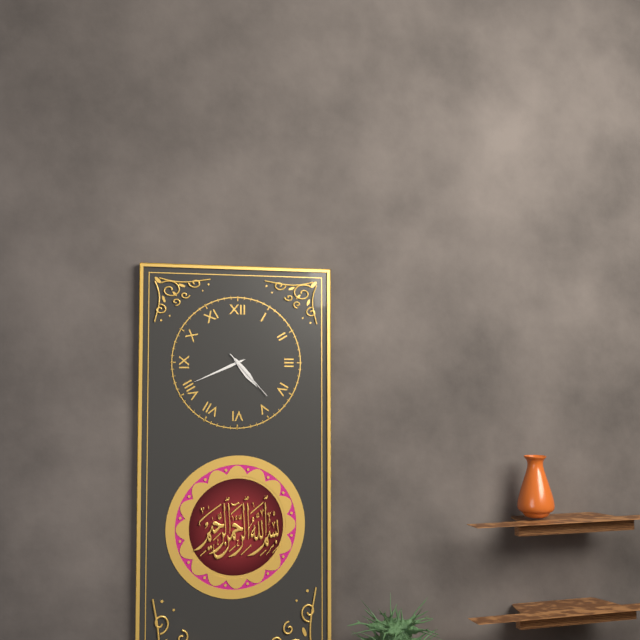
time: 4:41:23
